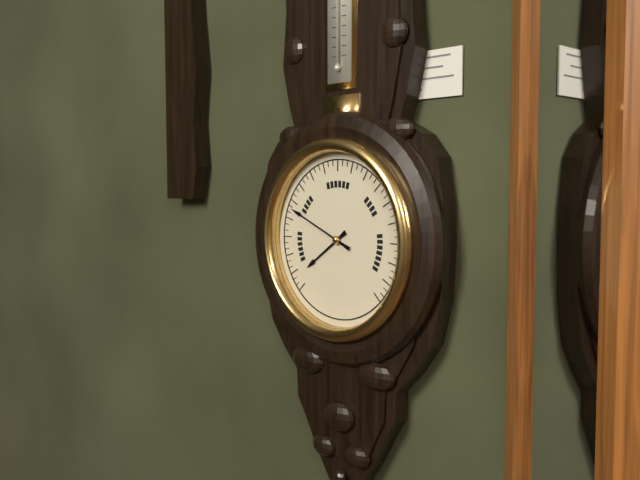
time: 7:49
